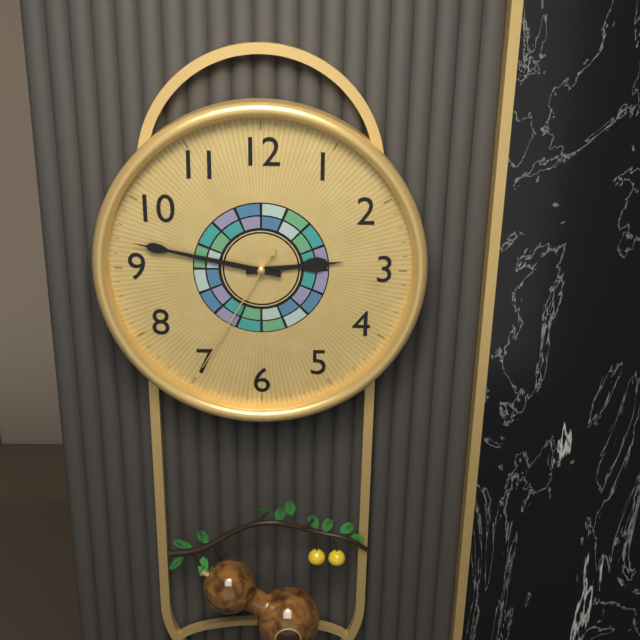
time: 2:47:35
